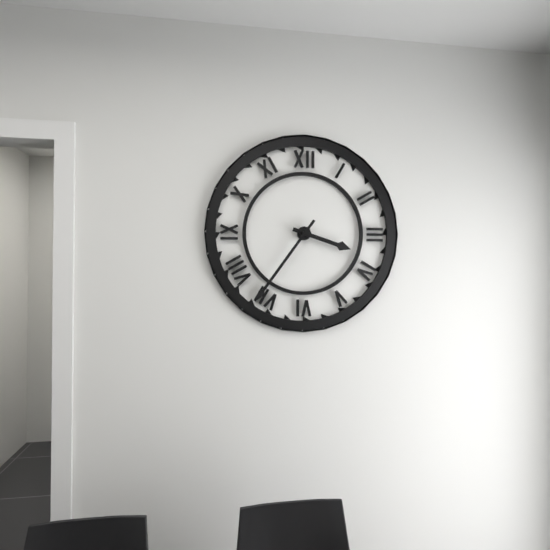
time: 3:36
